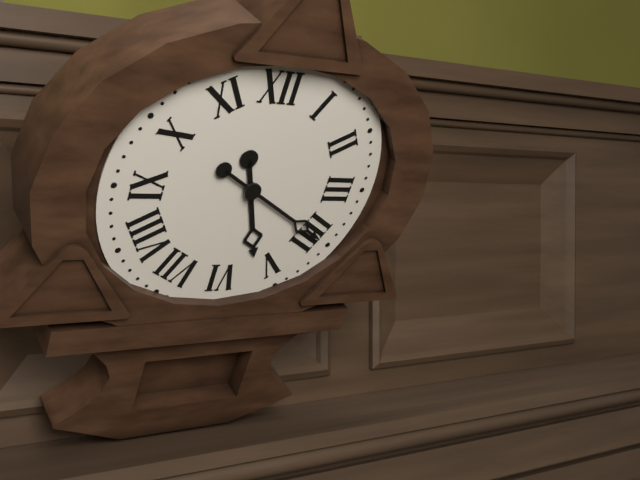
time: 5:20
